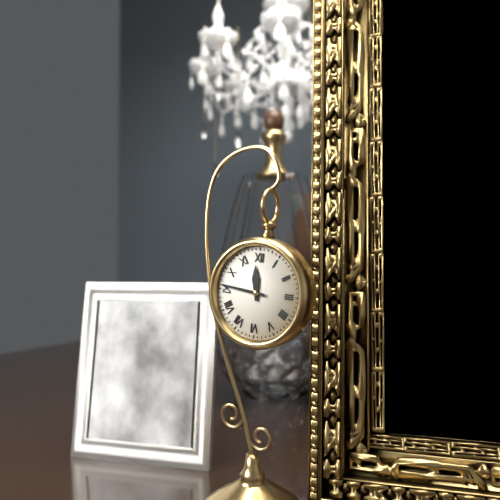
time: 11:46
